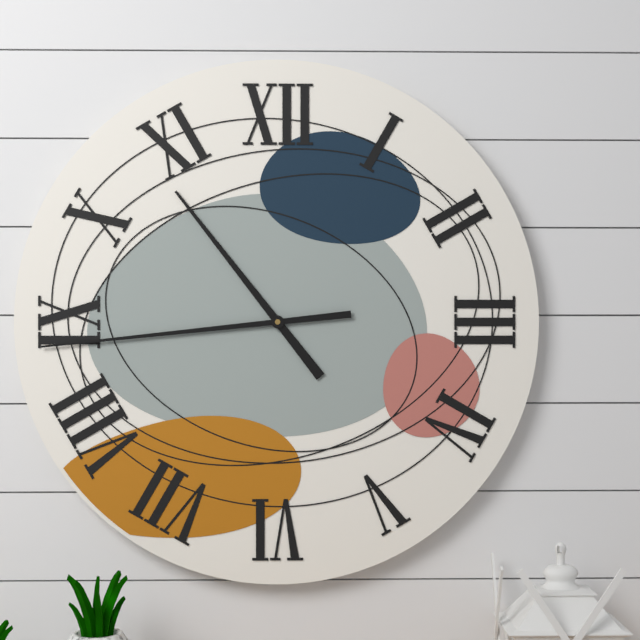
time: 10:44
